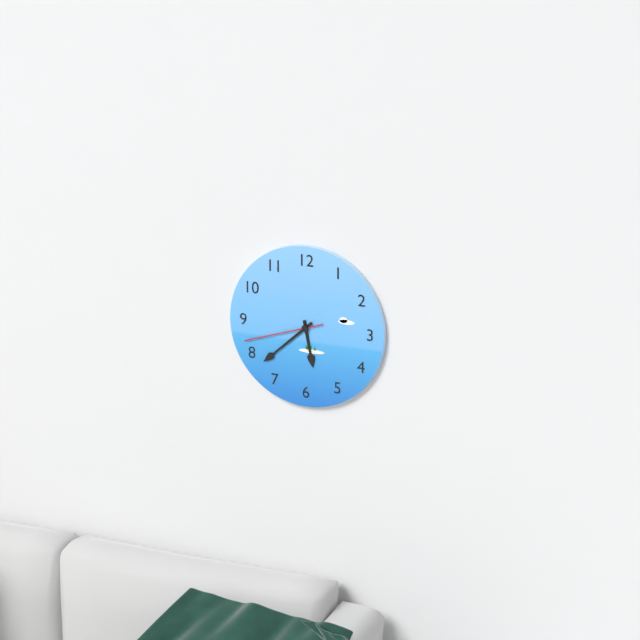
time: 5:38:42
